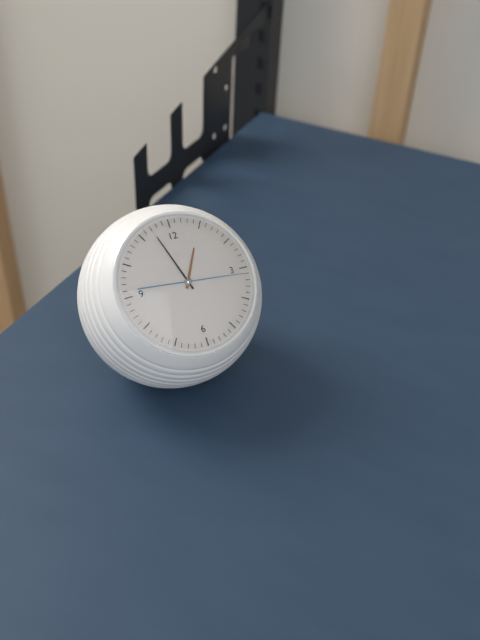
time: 12:57:16
